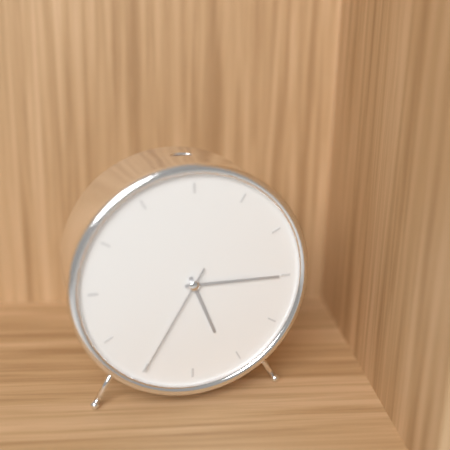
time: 5:15:35
